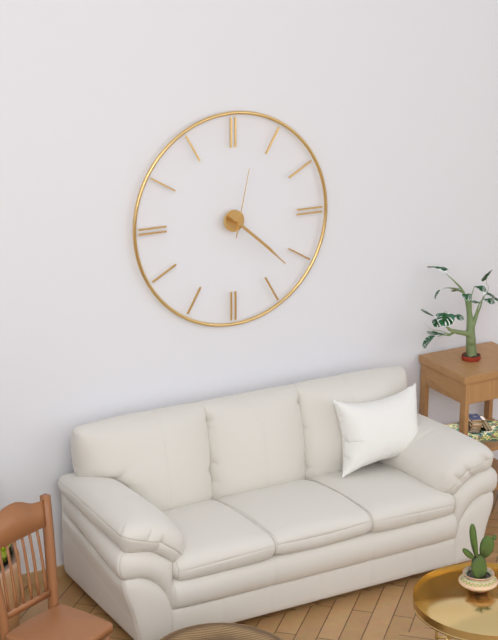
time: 4:22:02
